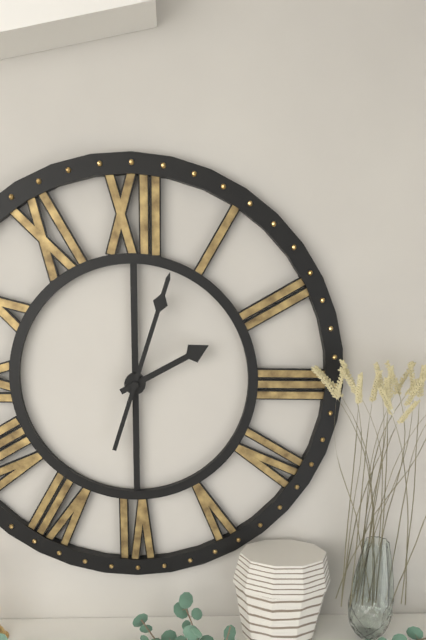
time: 2:03
